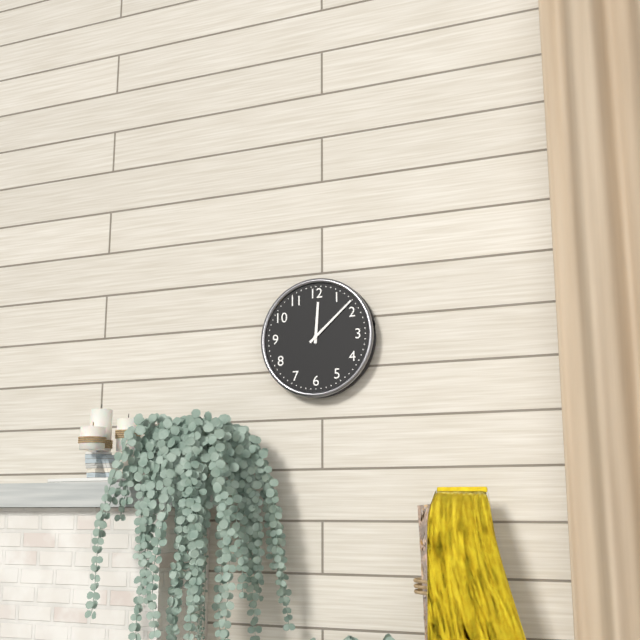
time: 12:08
